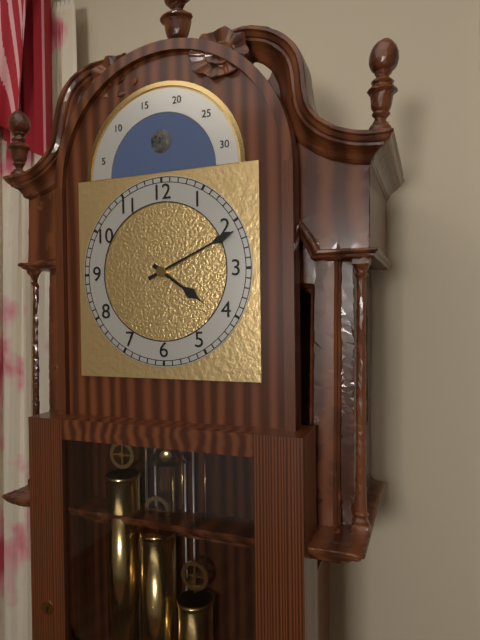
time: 4:11
